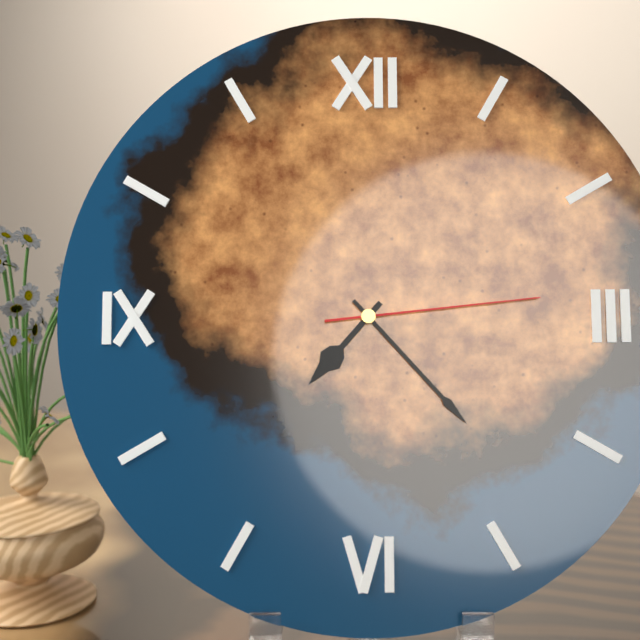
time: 7:23:14
